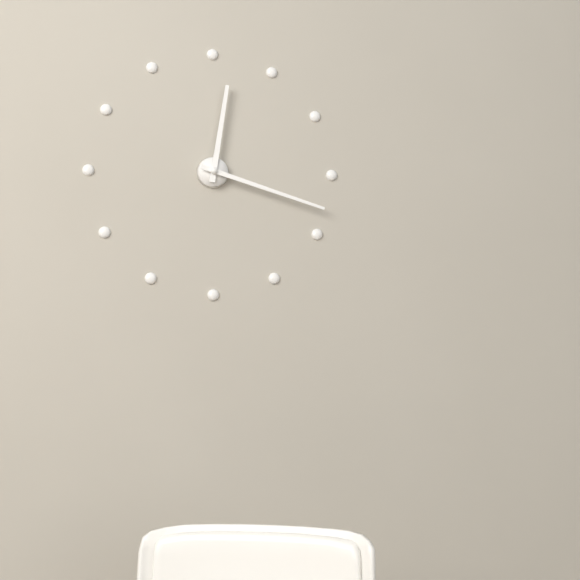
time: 12:18
